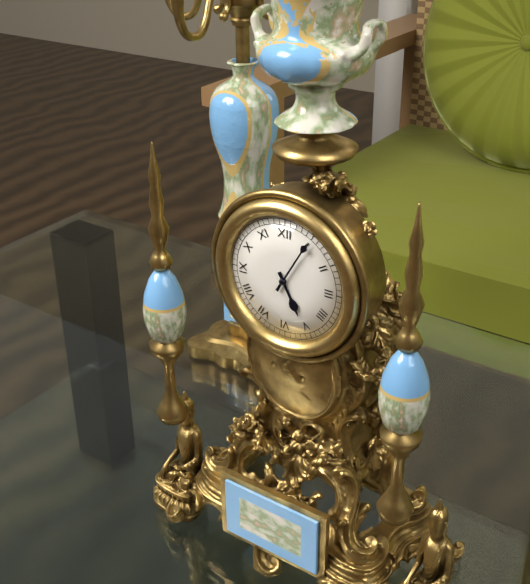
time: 5:05
